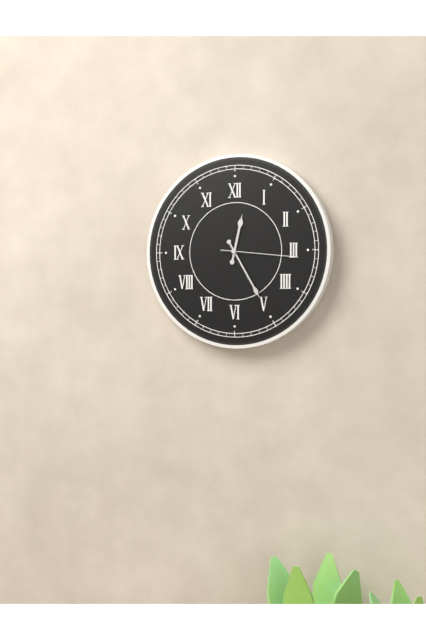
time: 12:25:16
